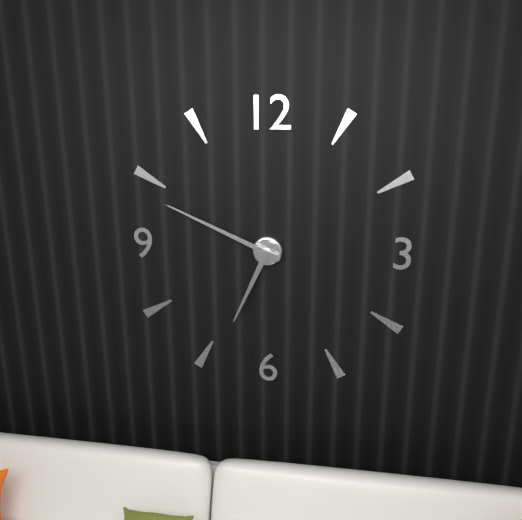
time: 6:49
